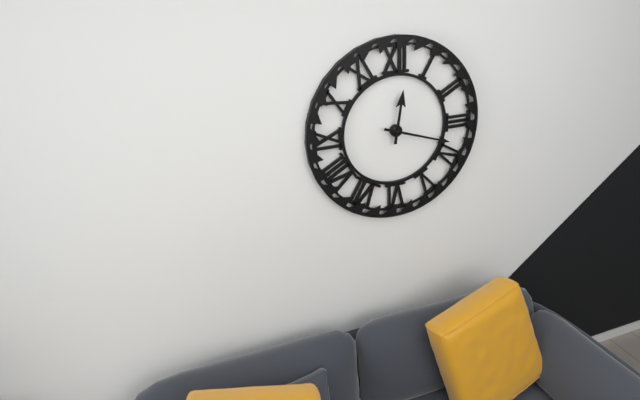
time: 12:18
